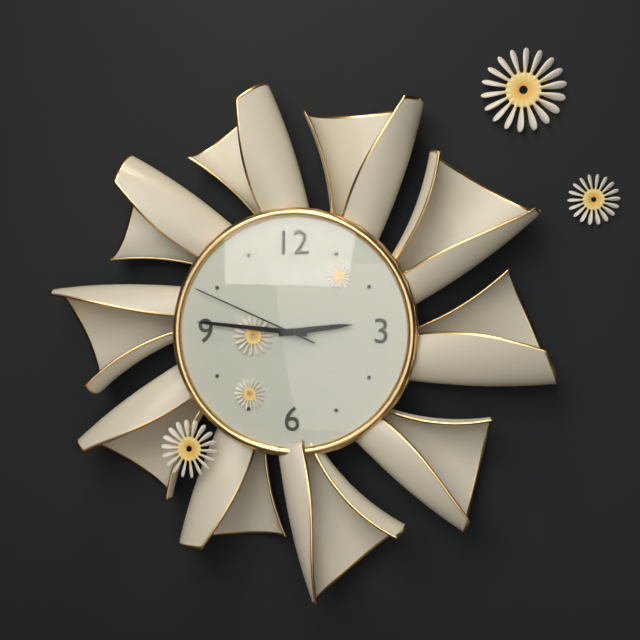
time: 2:46:49
